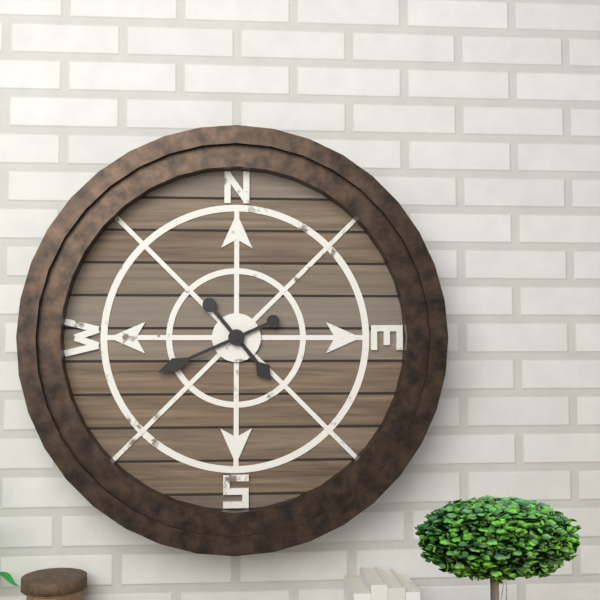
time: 4:41
